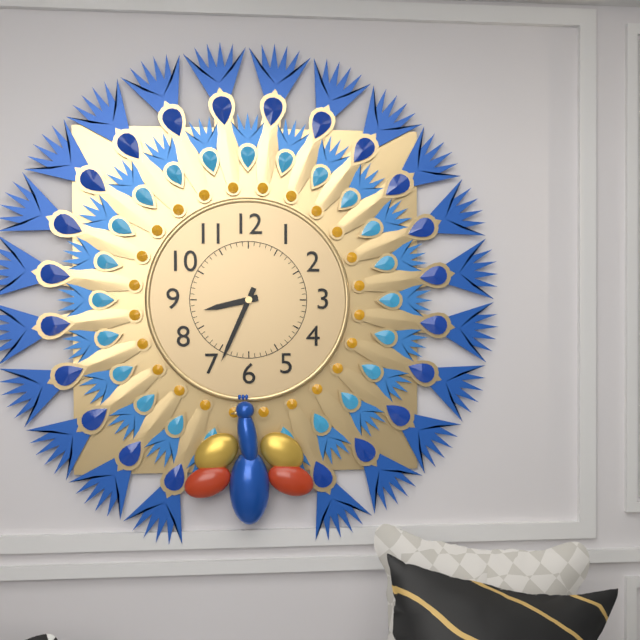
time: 8:34
